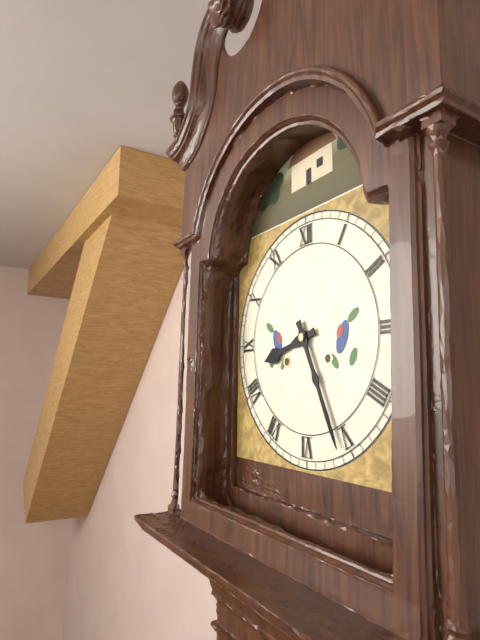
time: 8:26
